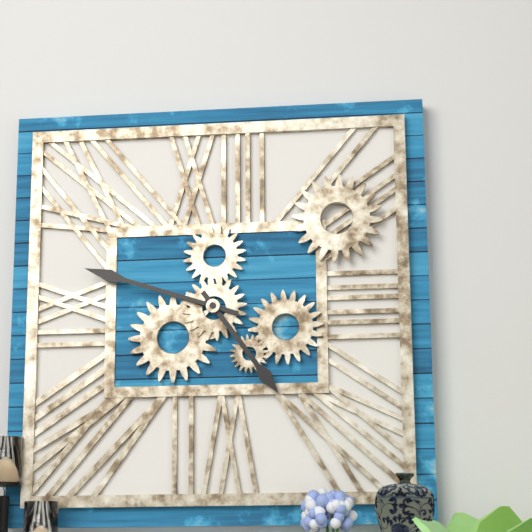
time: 4:48
